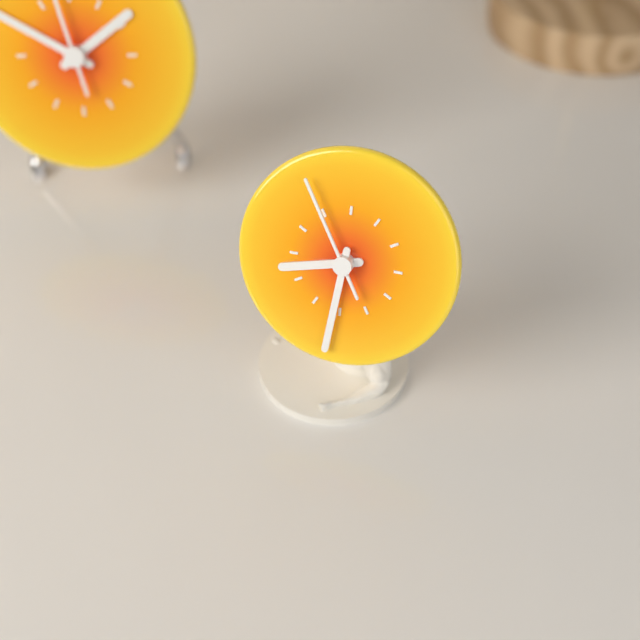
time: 8:31:55
